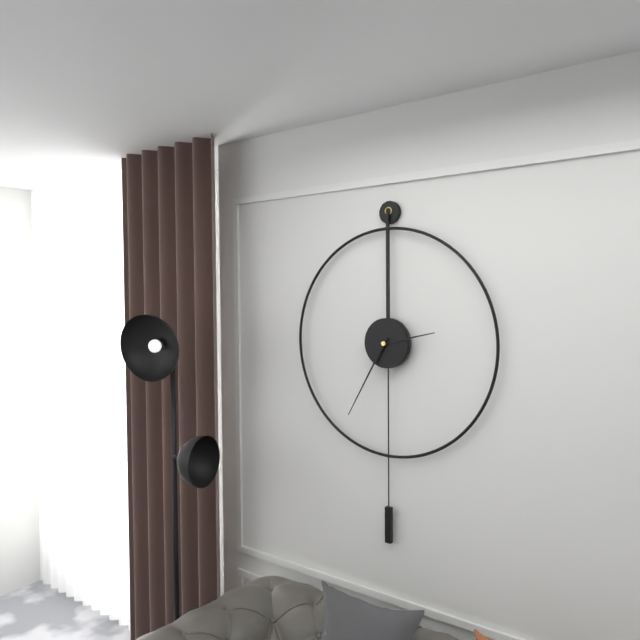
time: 2:35
